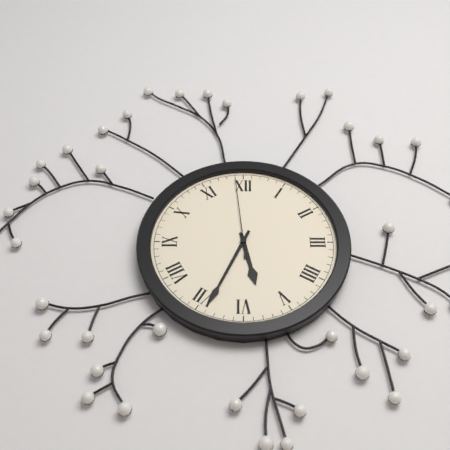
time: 5:34:59
